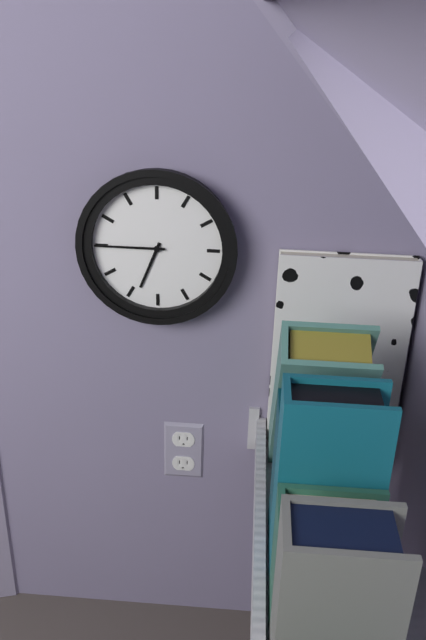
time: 6:45
